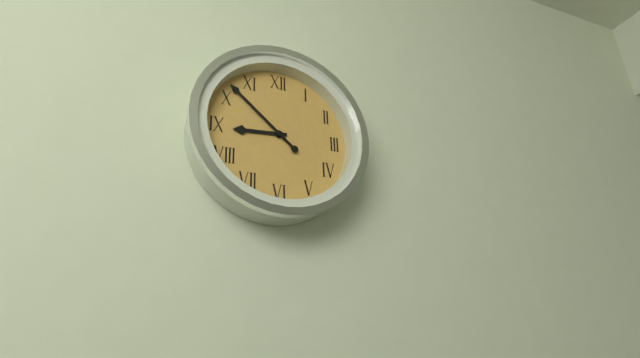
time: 8:52
